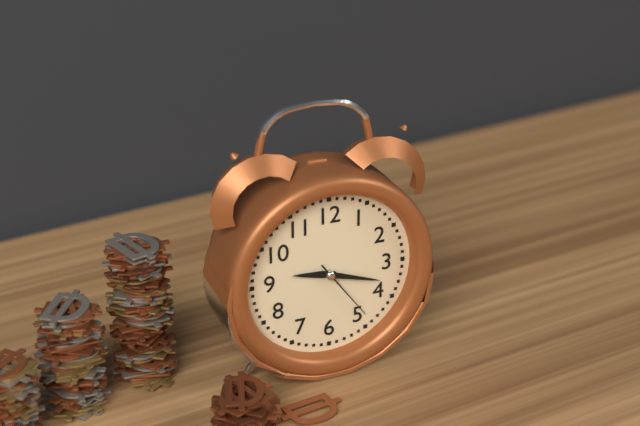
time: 9:18:24
